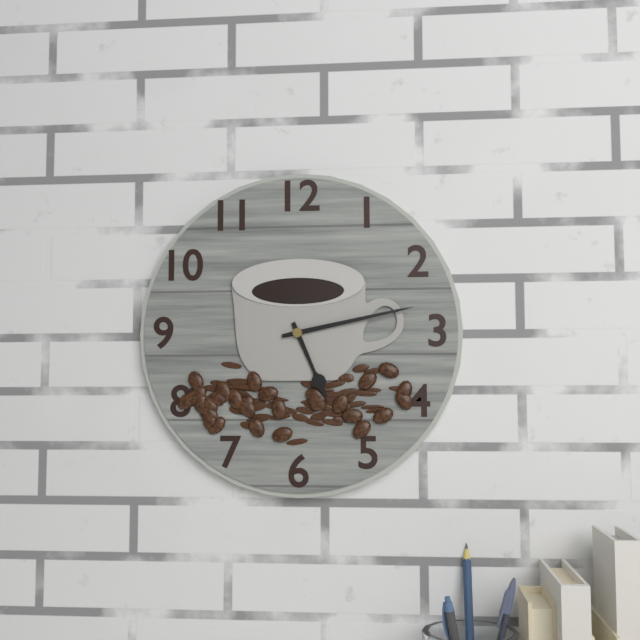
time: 5:13
